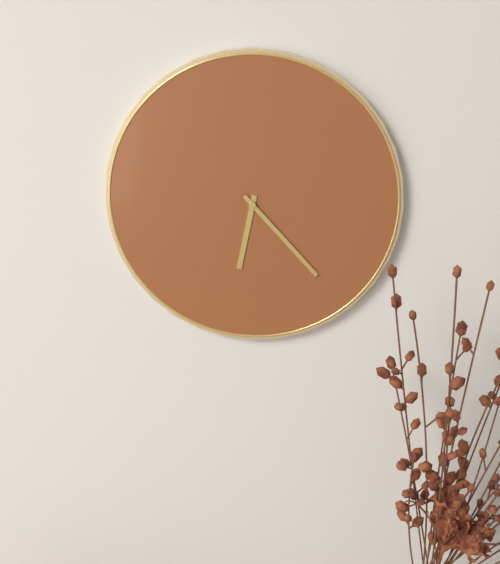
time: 6:23
